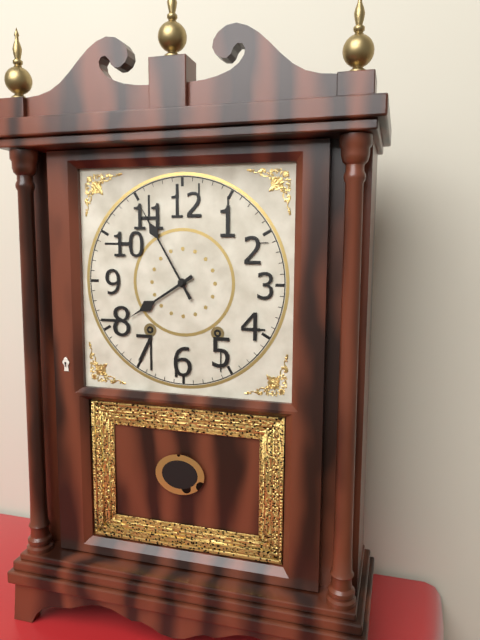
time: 7:55
